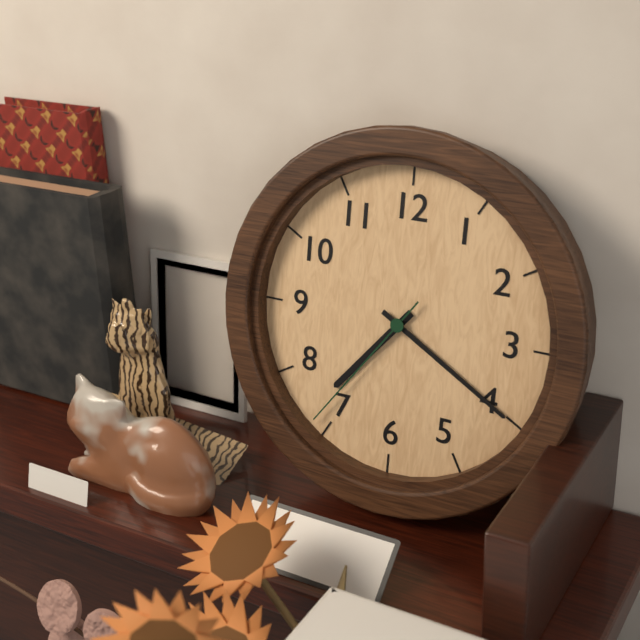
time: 7:20:36
